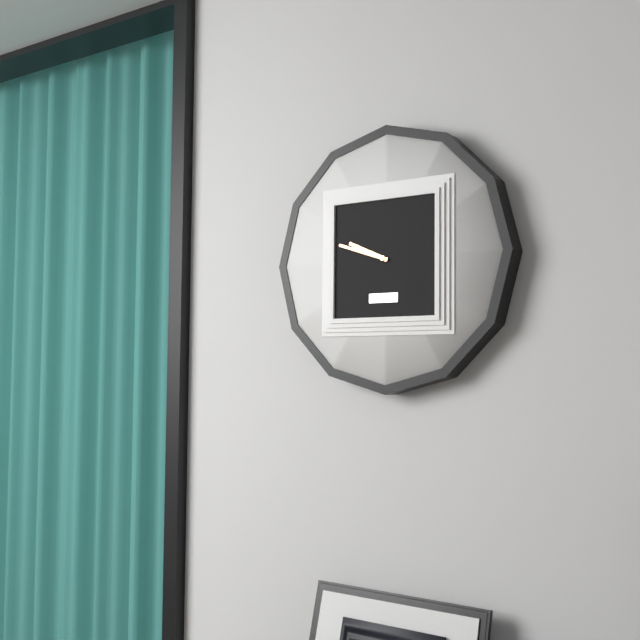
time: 9:48
